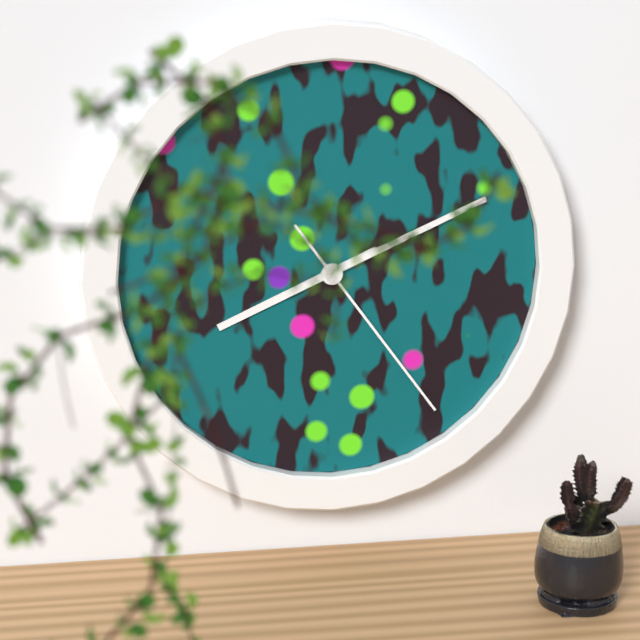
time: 8:11:24
